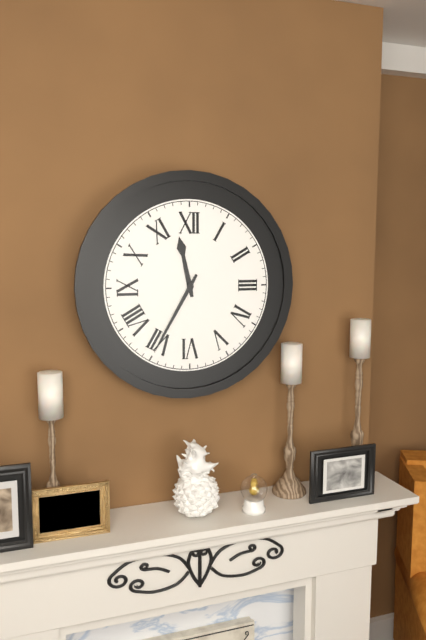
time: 11:35
